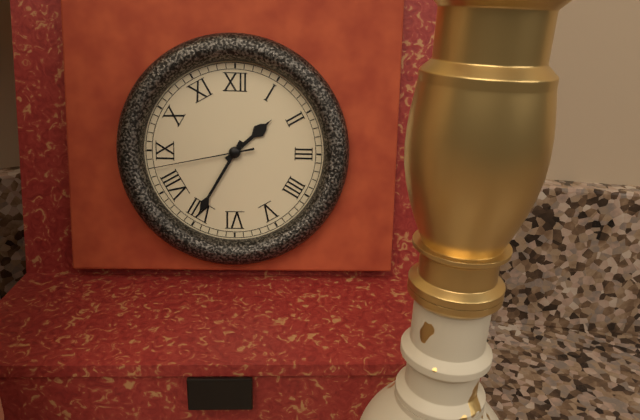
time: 1:35:43
